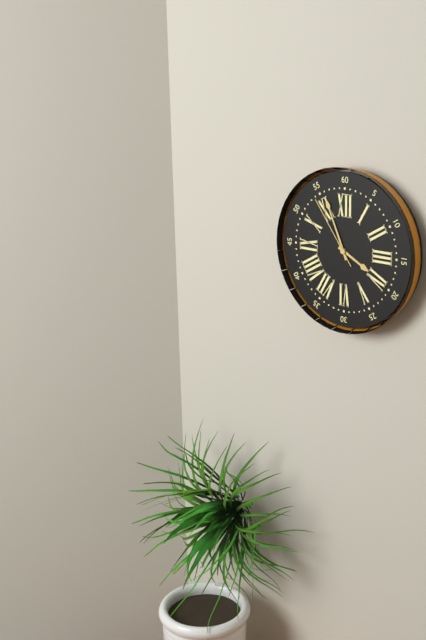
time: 3:56:54
